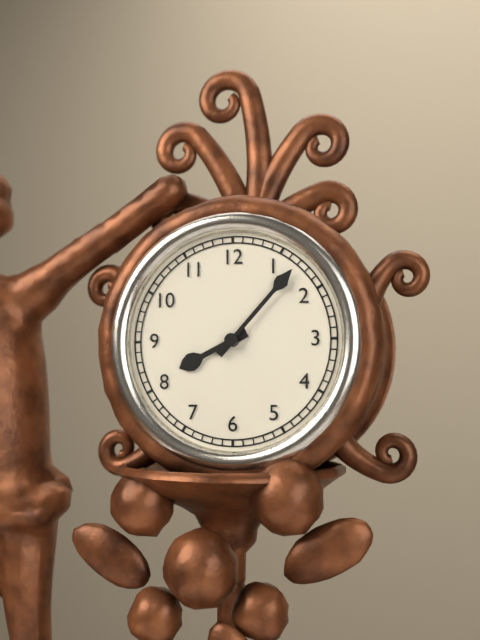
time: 8:07
